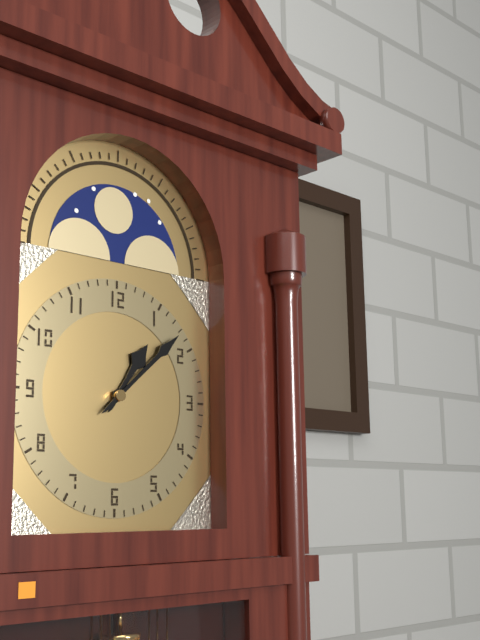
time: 1:08
